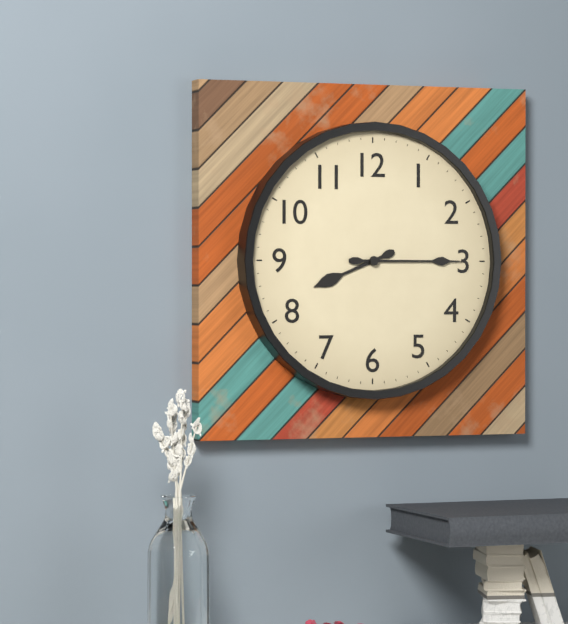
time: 8:15
